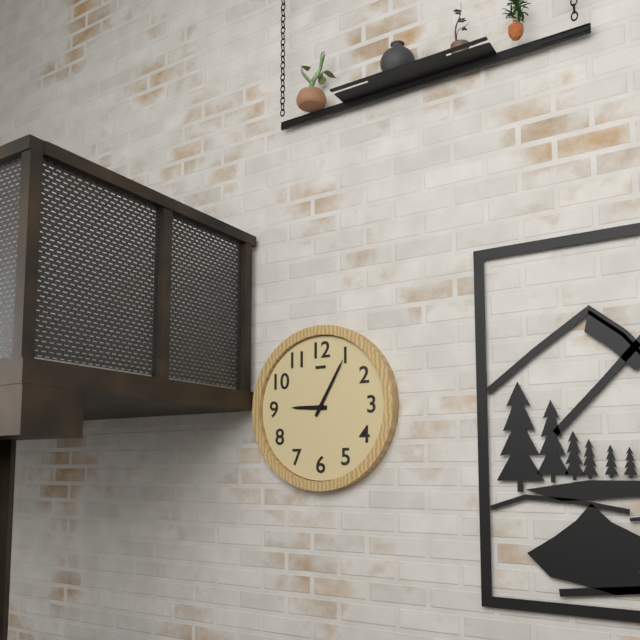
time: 9:05
